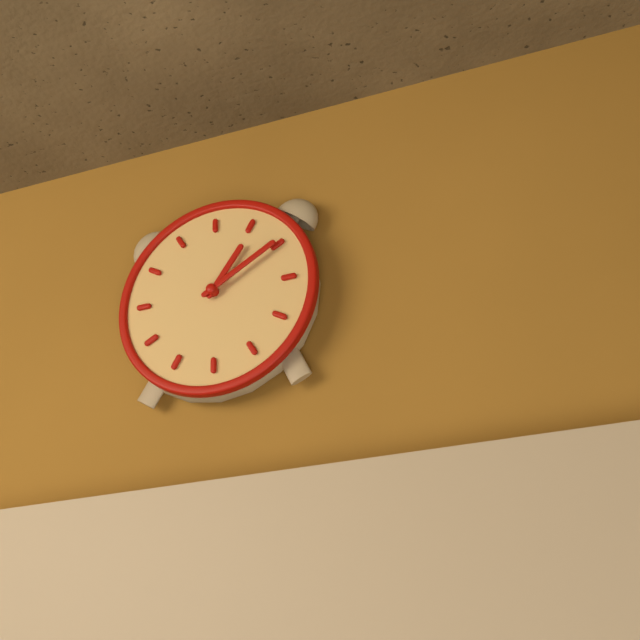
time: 1:10
